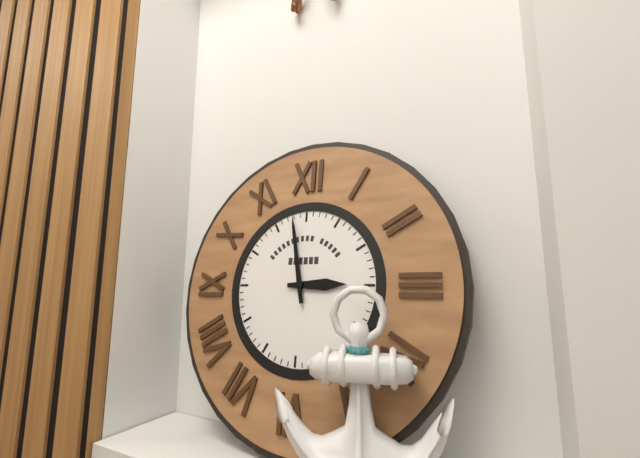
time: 2:58
